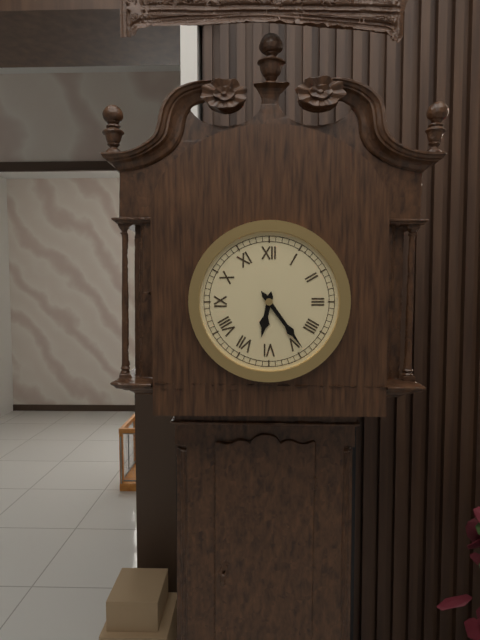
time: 6:24
